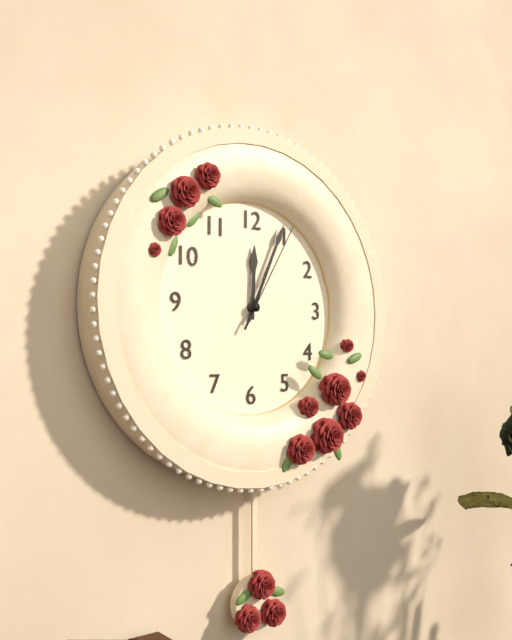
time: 12:04:05
